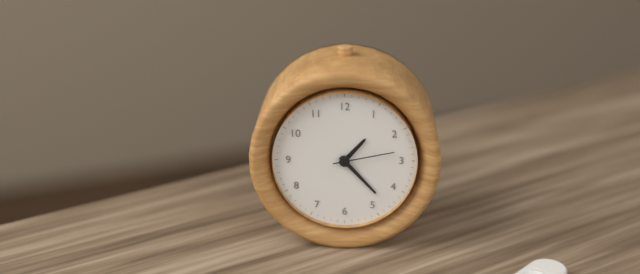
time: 1:23:13
